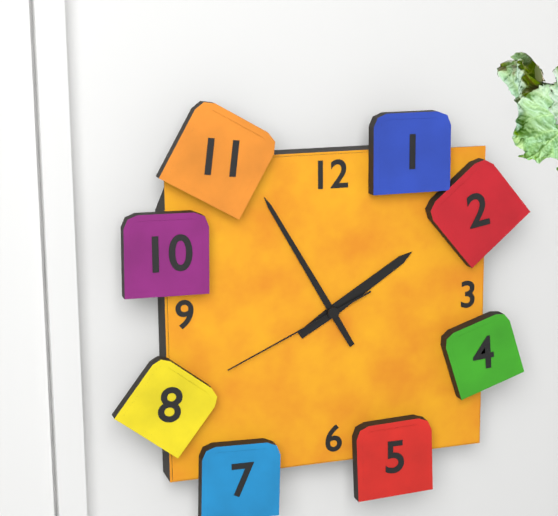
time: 1:55:41
